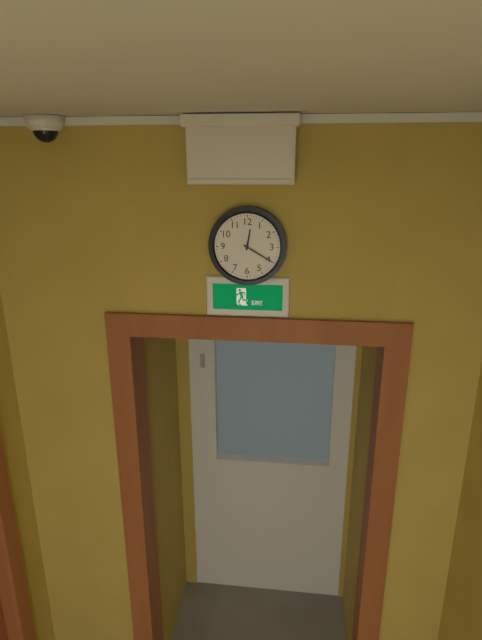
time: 12:20
